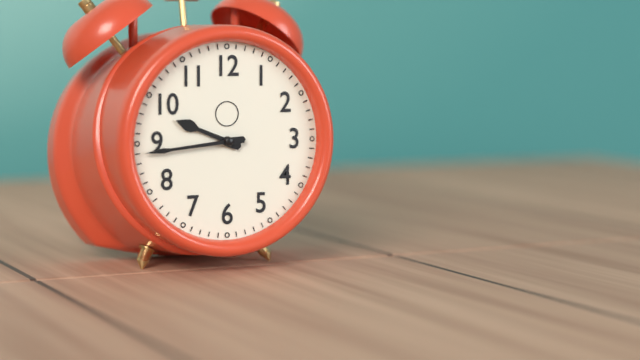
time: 9:44
